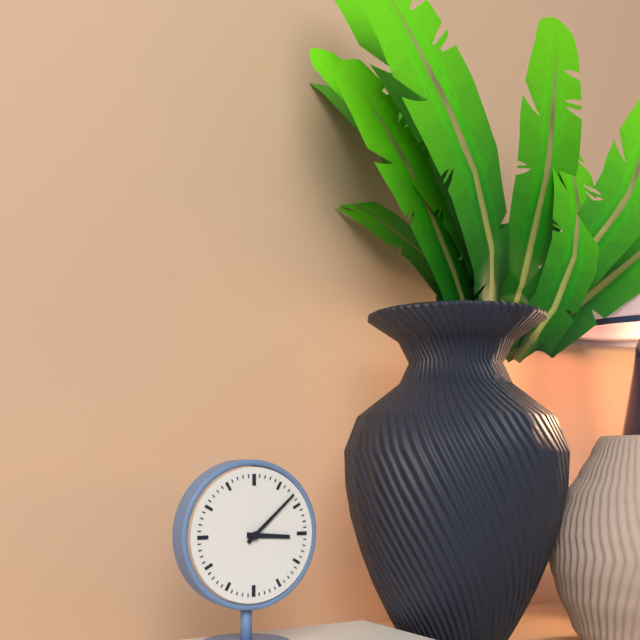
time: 3:08
